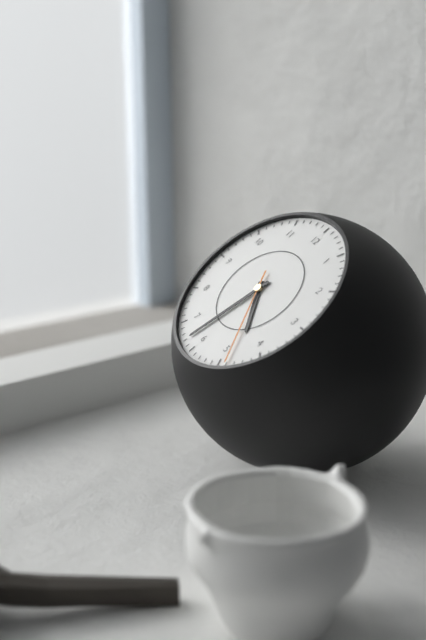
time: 4:32:24
